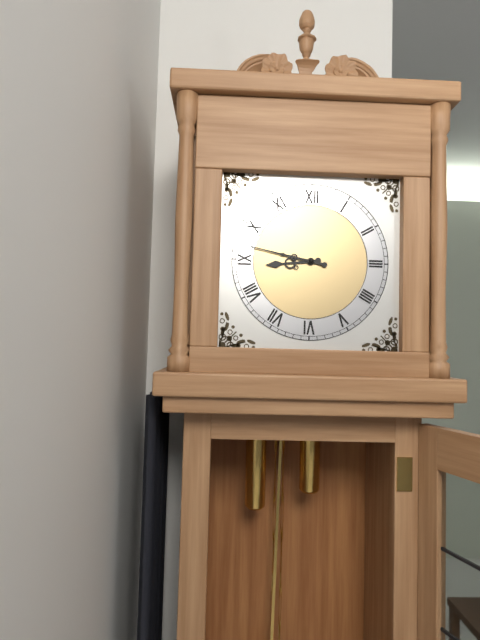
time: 8:47
